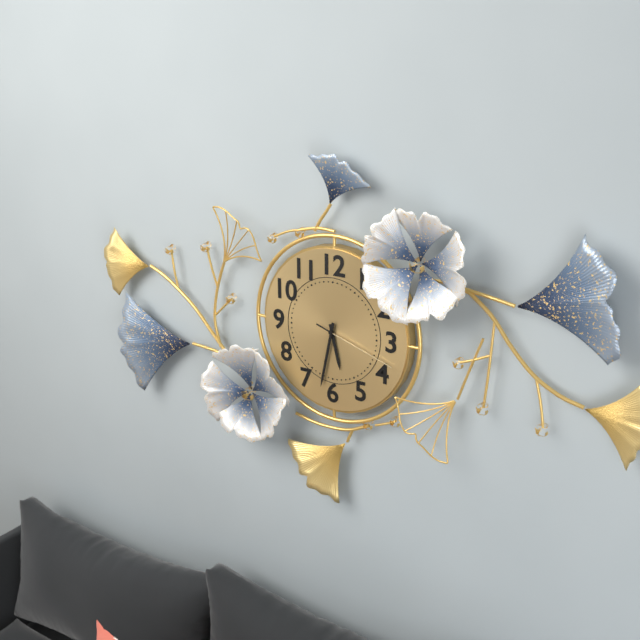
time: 5:32:18
